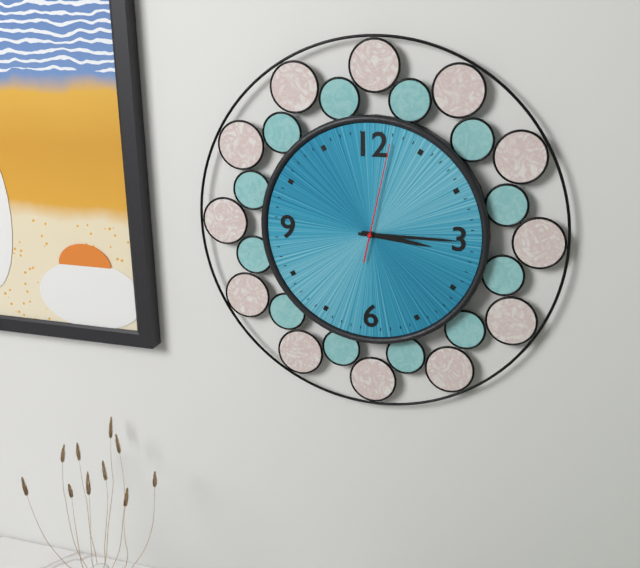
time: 3:15:02
